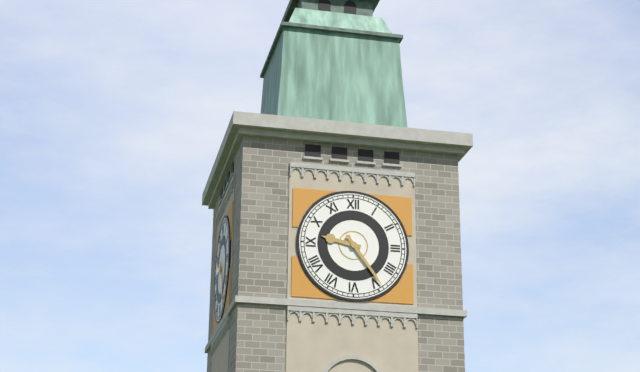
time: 9:24
